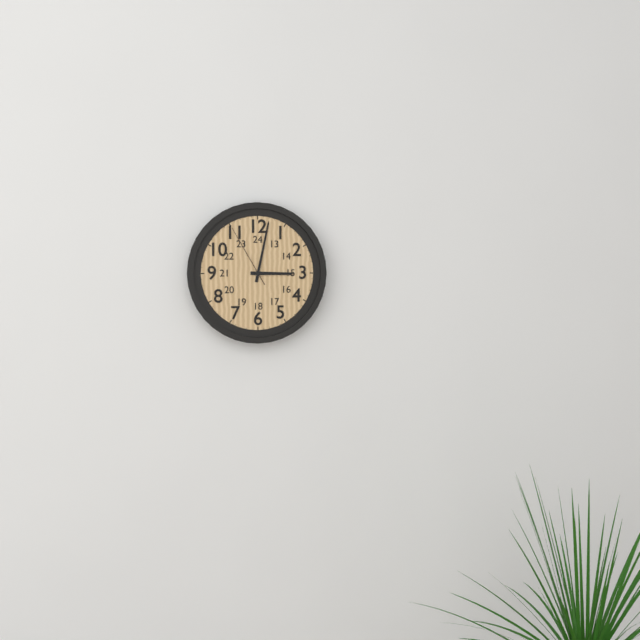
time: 3:02:55
